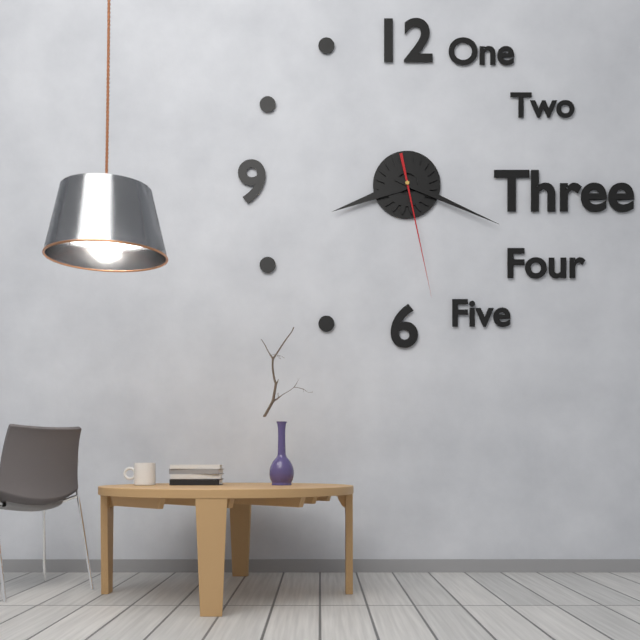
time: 8:19:28
